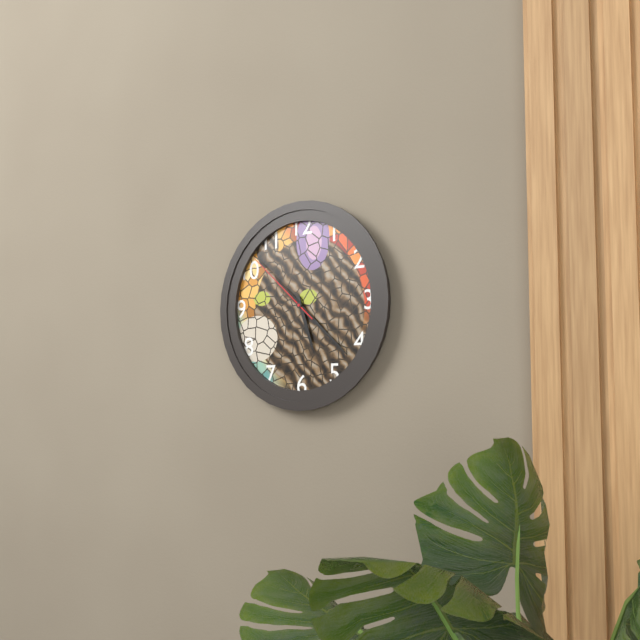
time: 5:22:52
